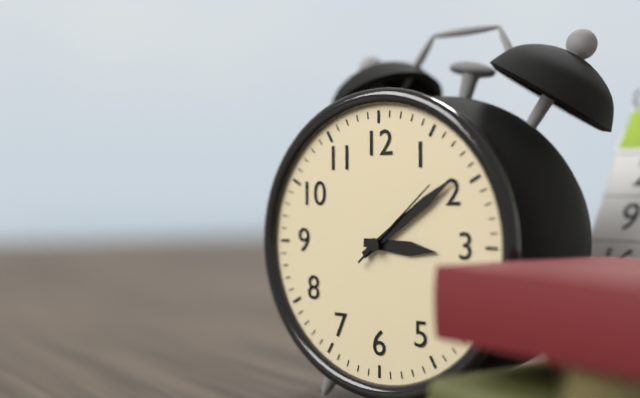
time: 3:09:08
